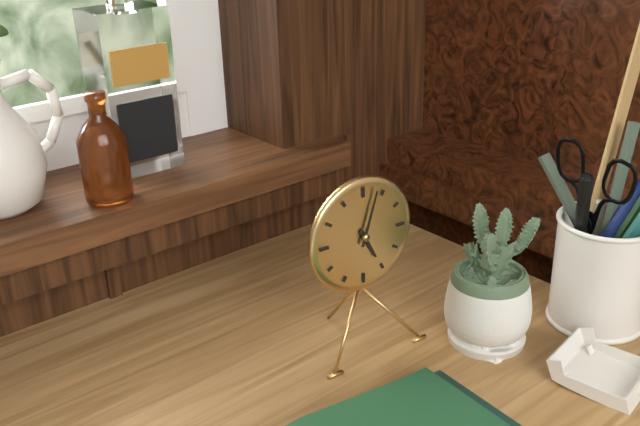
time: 5:03
